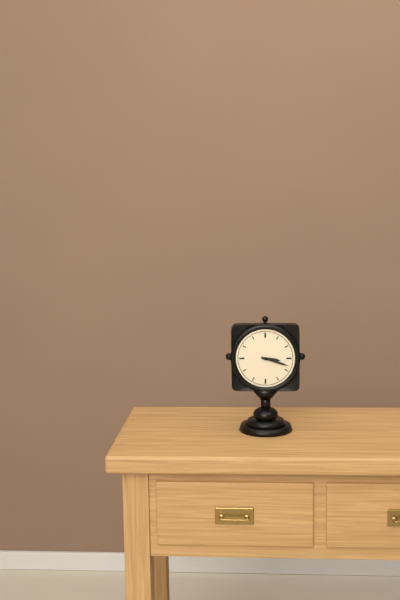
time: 3:18
